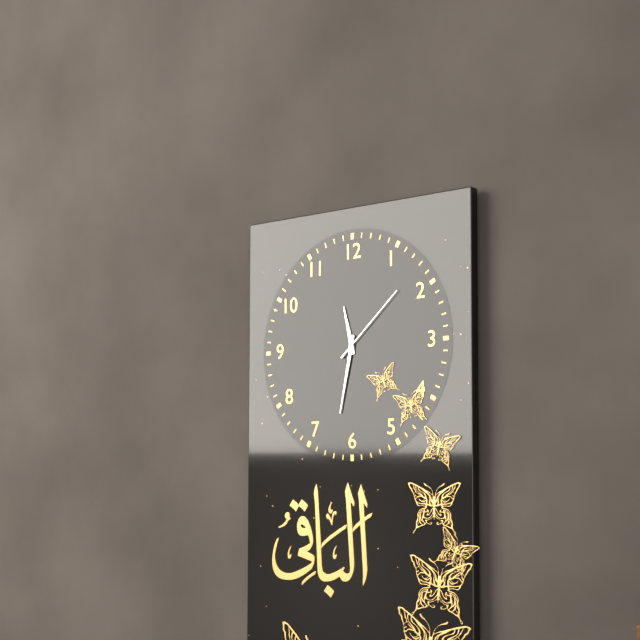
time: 11:32:08
